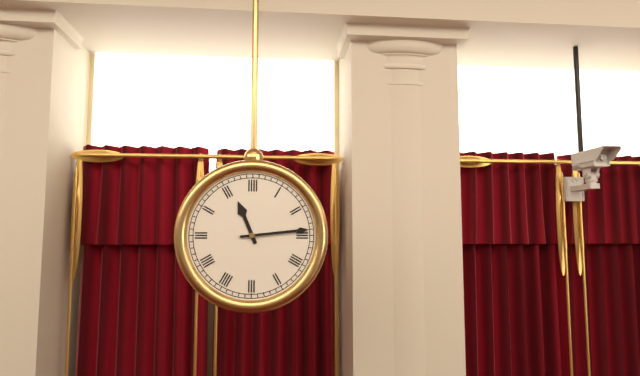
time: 11:14
